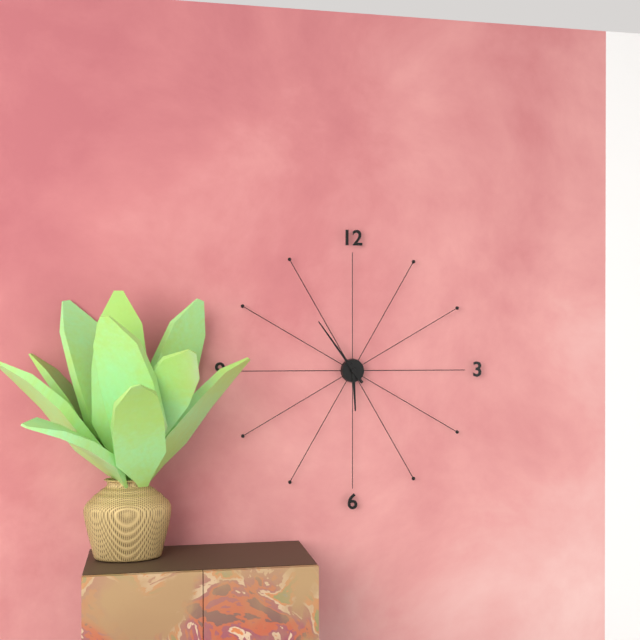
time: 5:54
